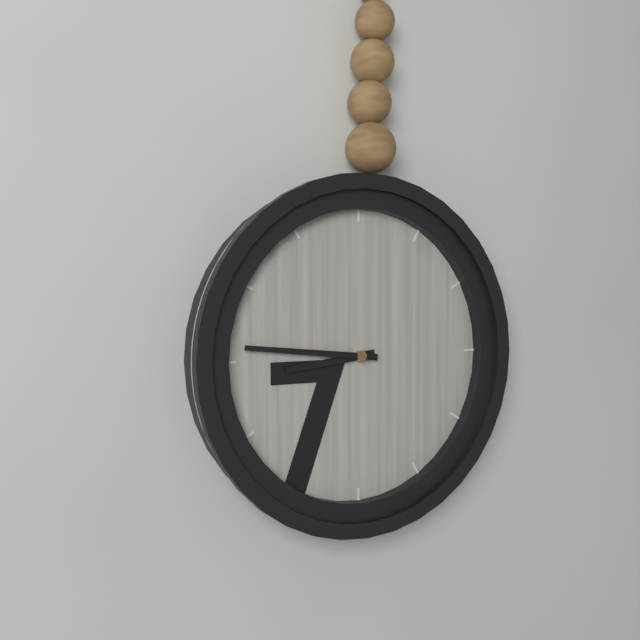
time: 8:46
